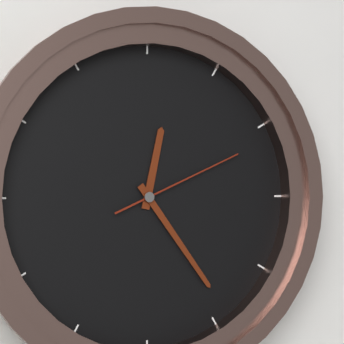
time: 12:24:11
